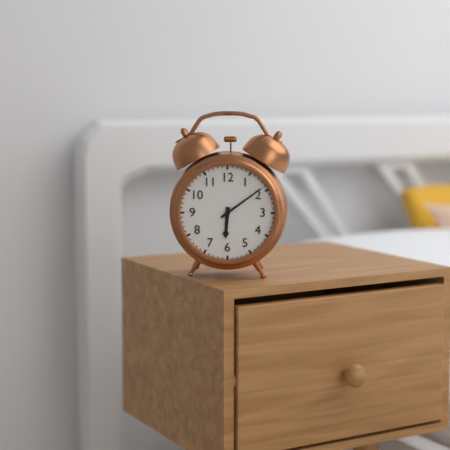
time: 6:09
